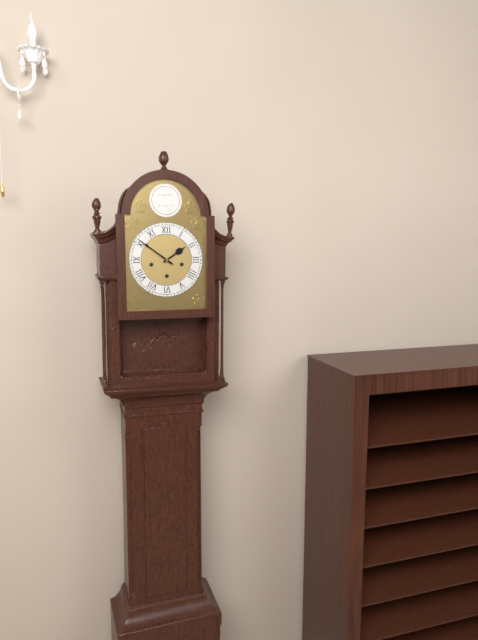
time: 1:51
